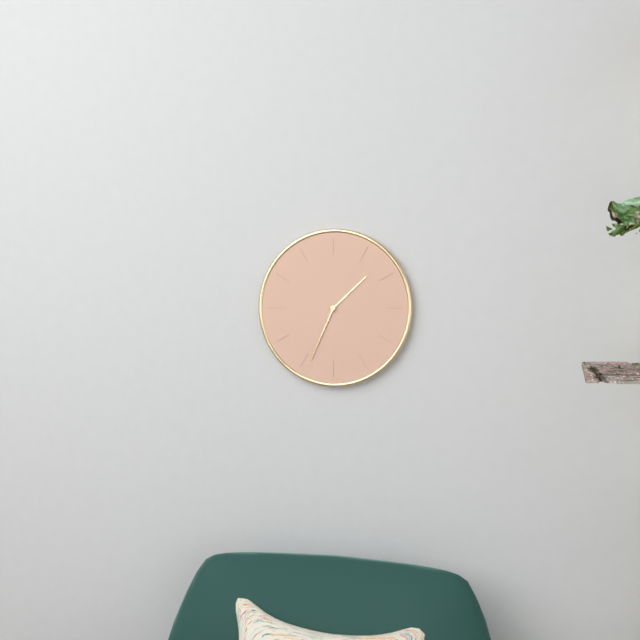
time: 1:34
